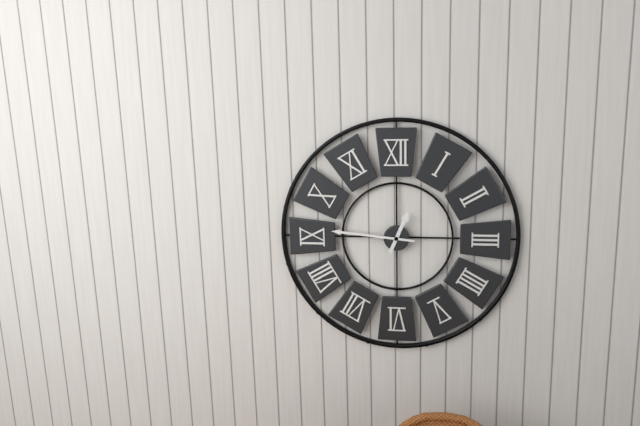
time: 12:46
